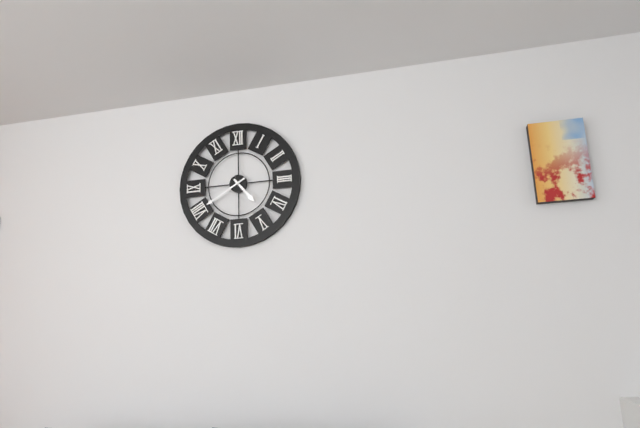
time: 4:40
